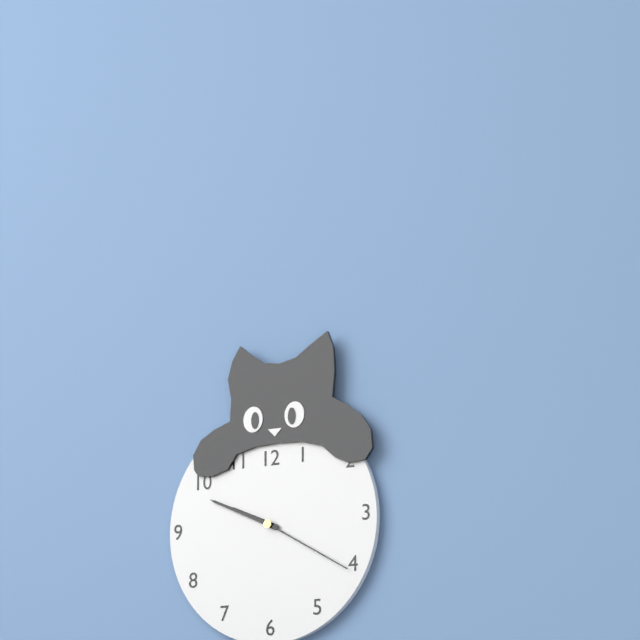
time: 9:49:20
